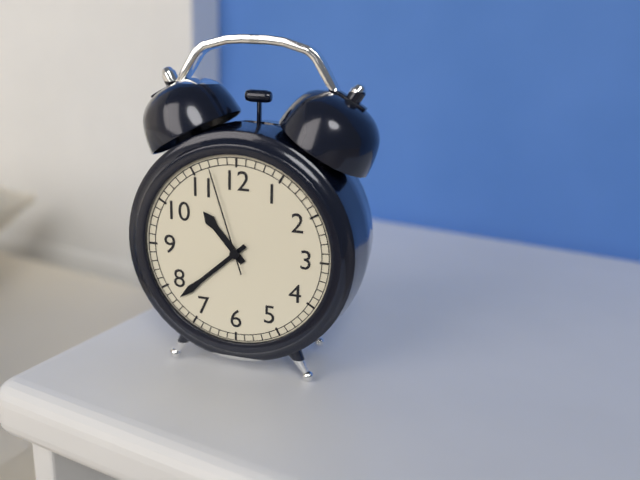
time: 10:38:57
